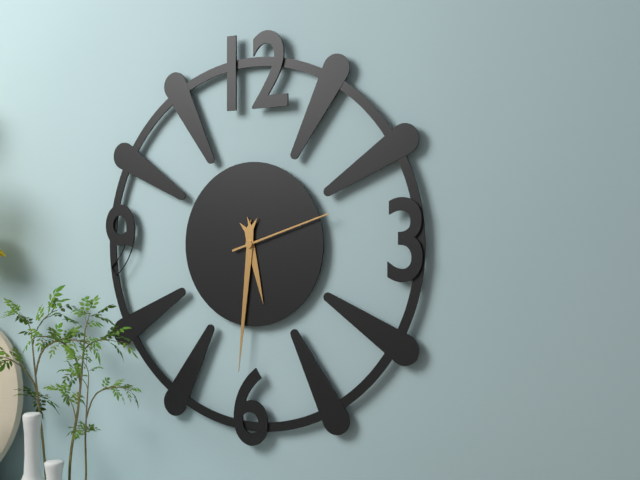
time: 5:31:12
